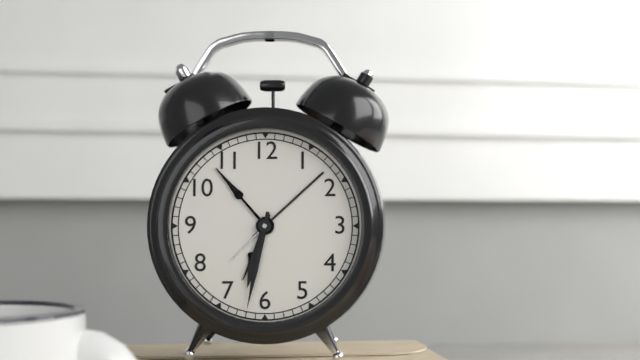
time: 6:32
